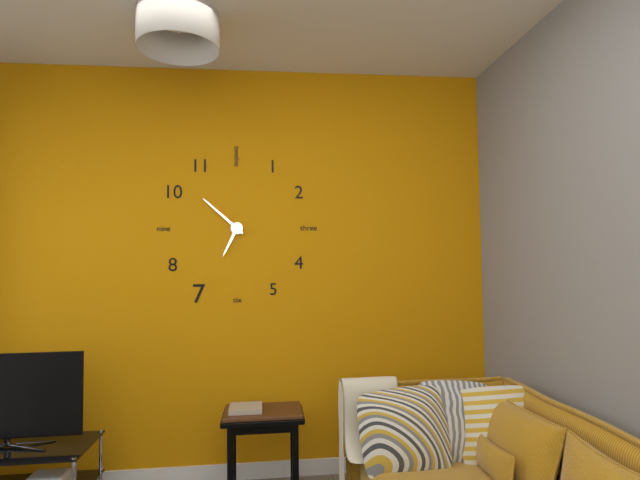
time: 6:52
